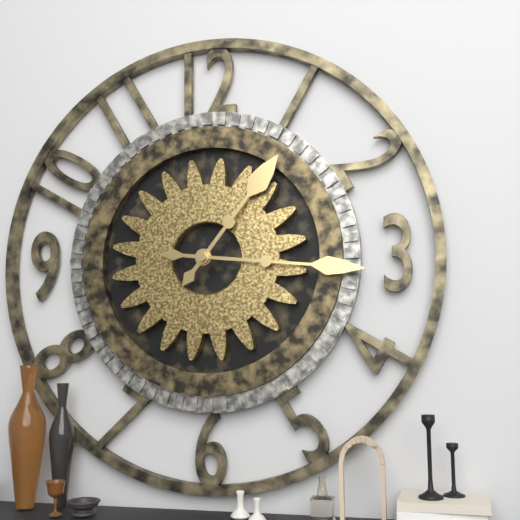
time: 1:16
